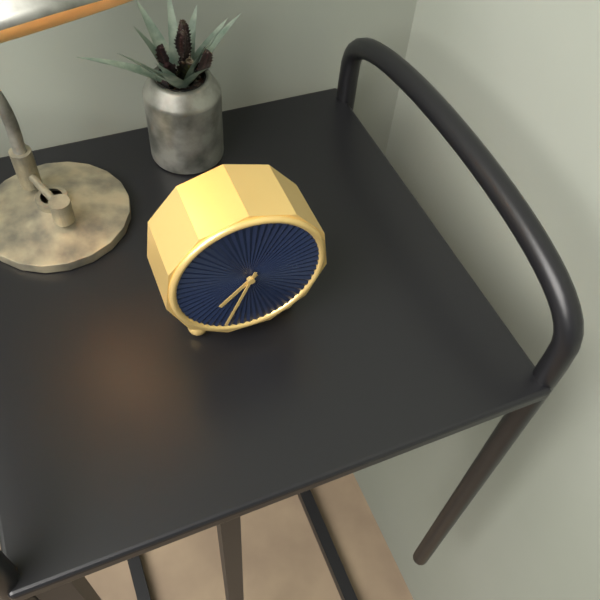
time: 7:34
